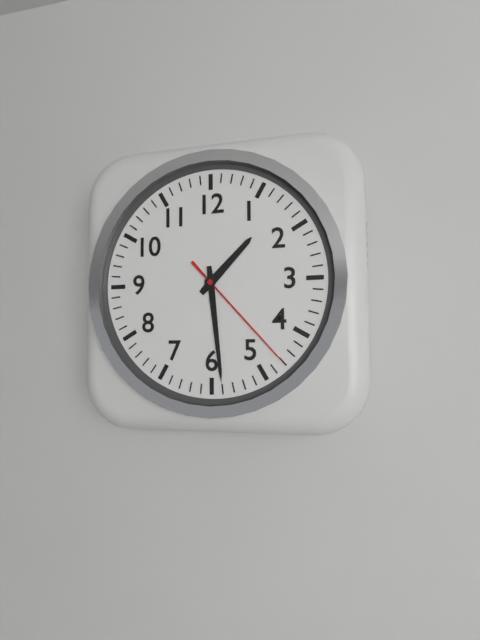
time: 1:29:23
